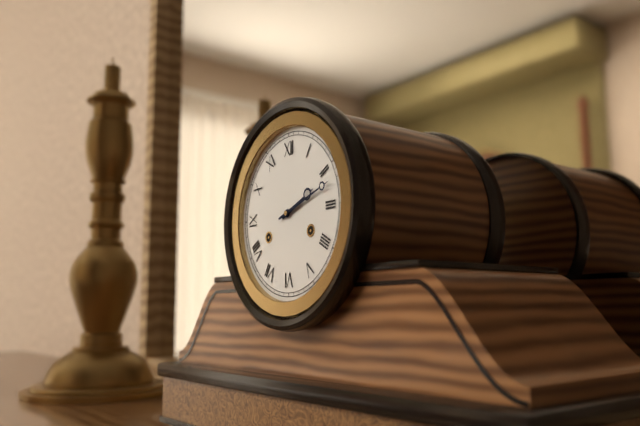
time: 2:12
